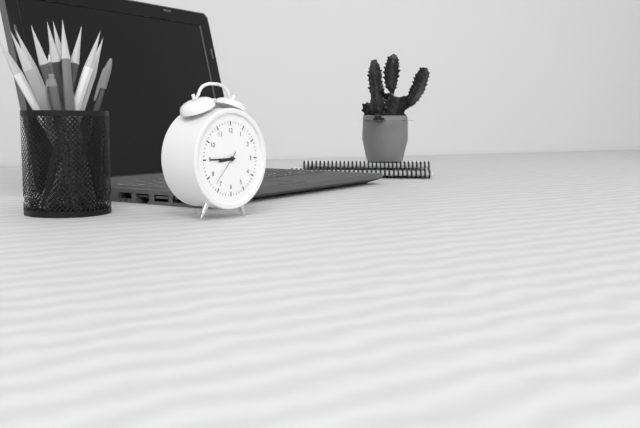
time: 8:45
